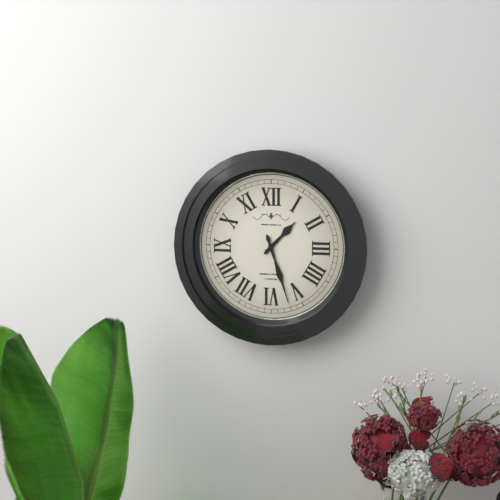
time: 1:27
